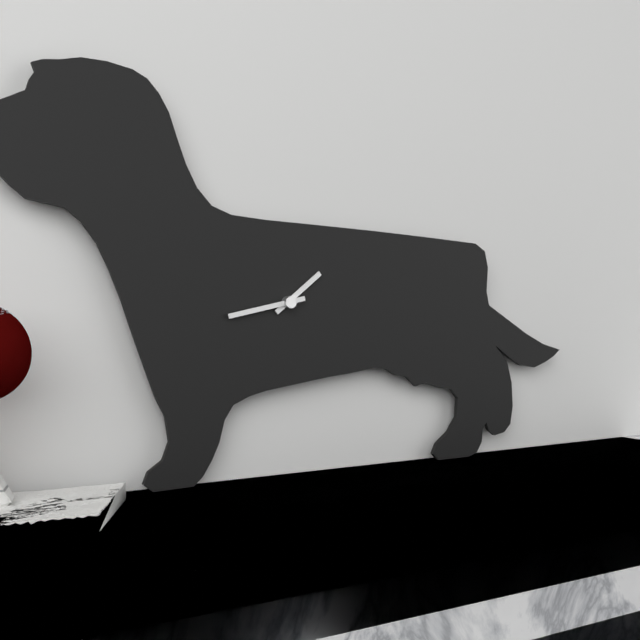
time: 1:43
